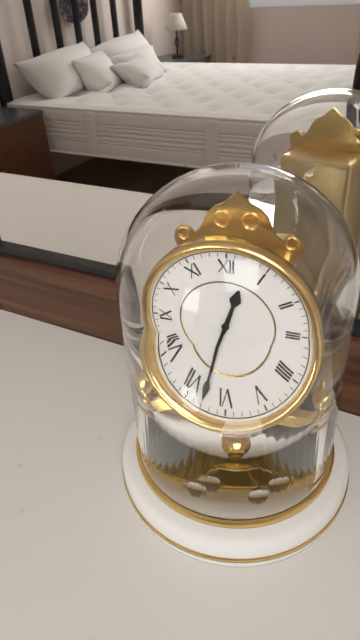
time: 12:33
